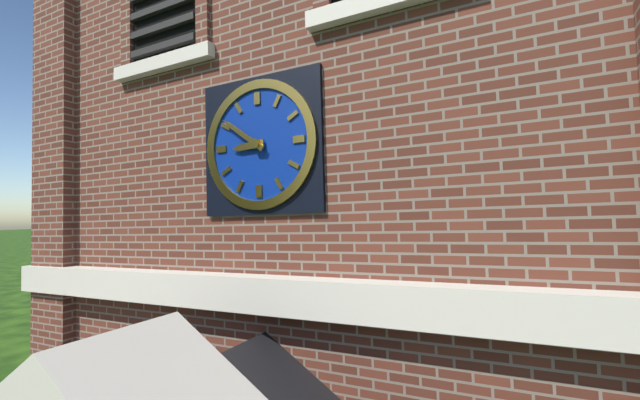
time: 8:51
